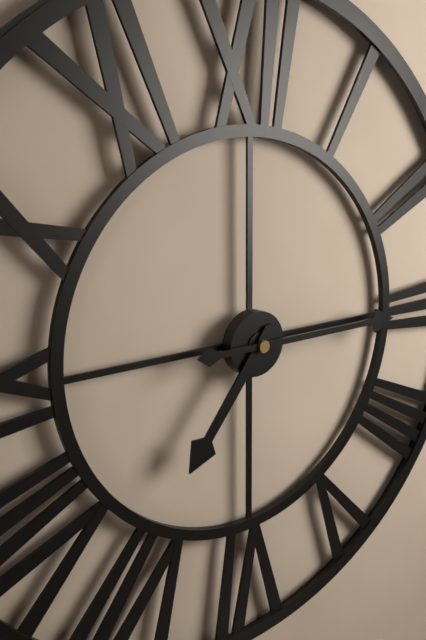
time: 7:15
